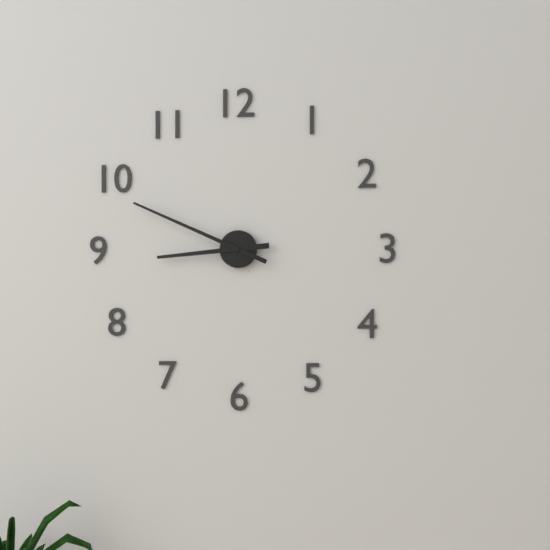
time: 8:49
